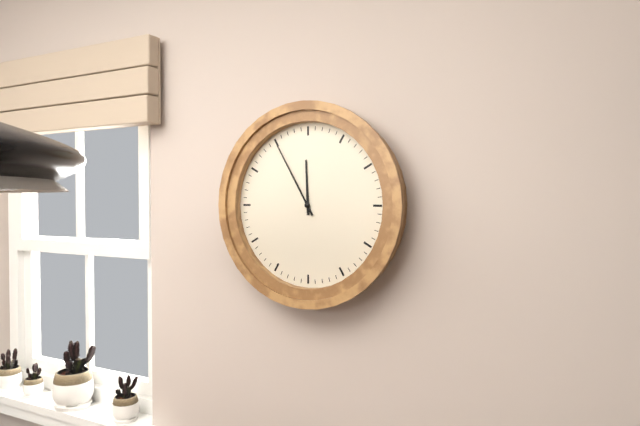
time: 11:55
